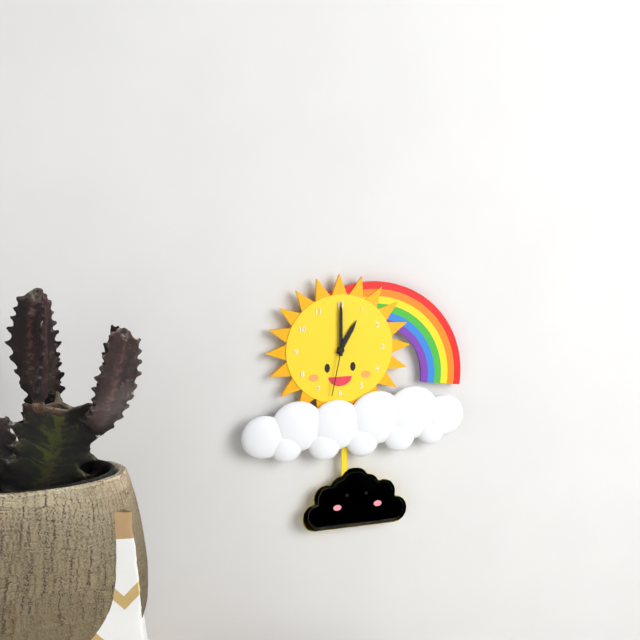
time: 1:00:32
